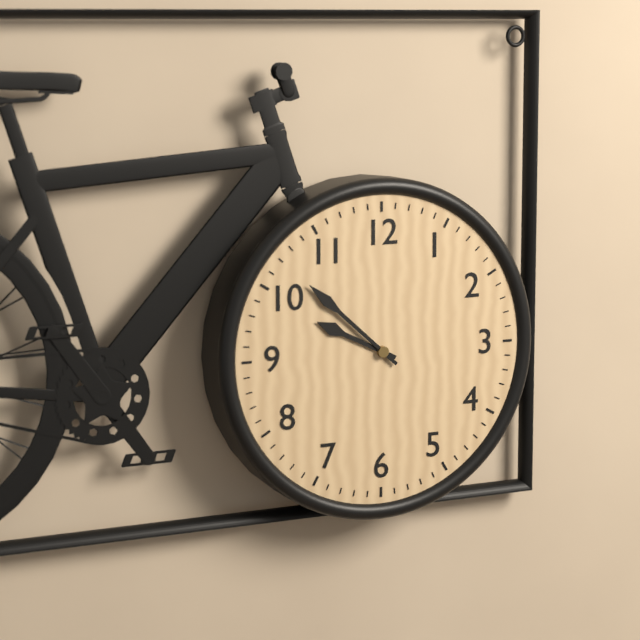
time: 9:52
